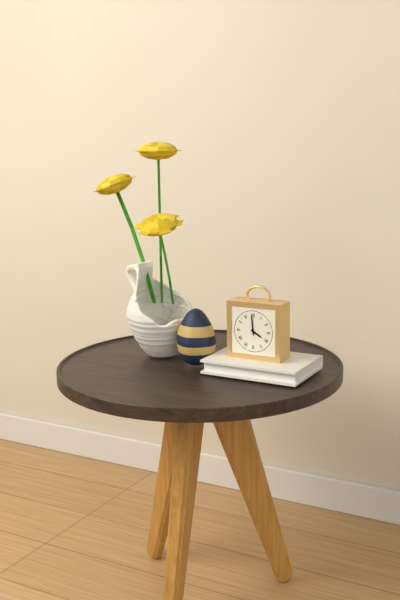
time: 3:59
